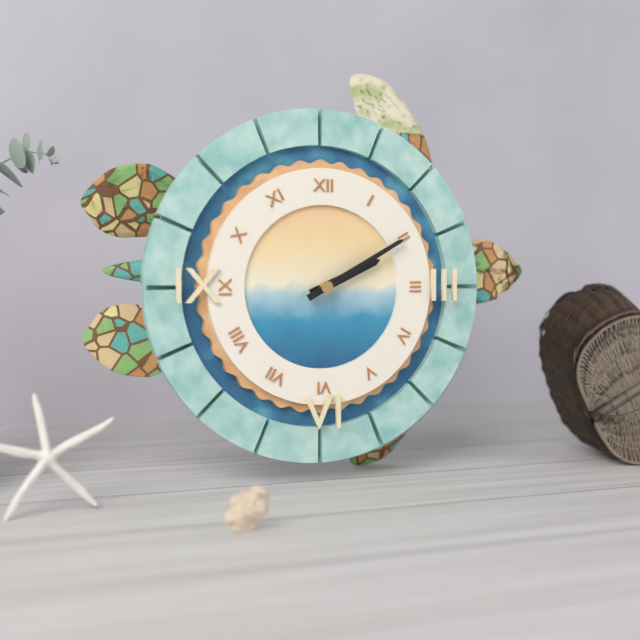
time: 2:10
